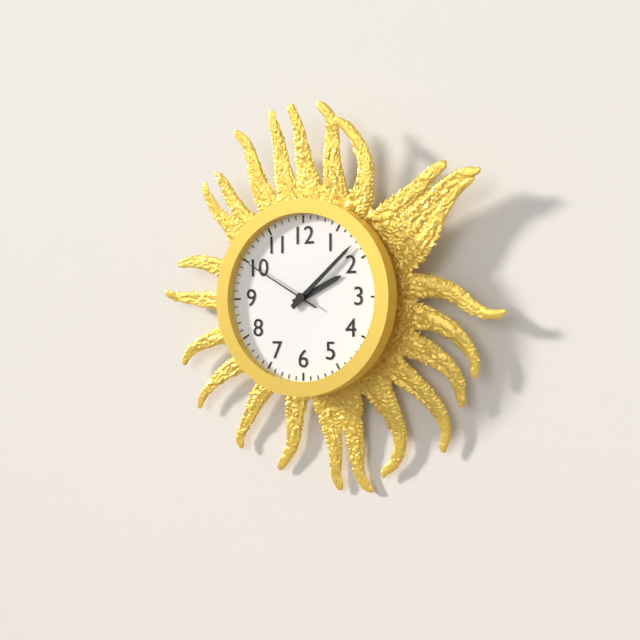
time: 2:08:50
